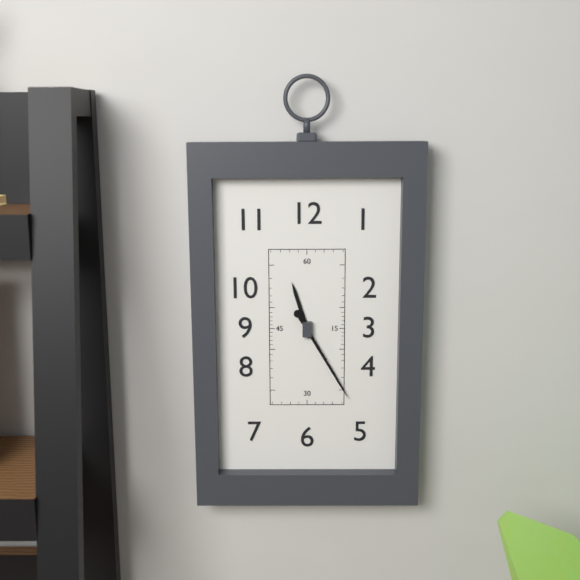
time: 11:25
